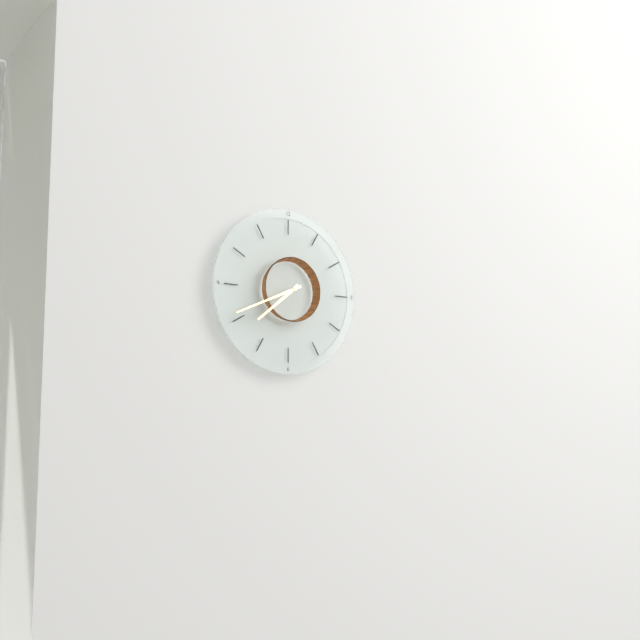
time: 7:41
